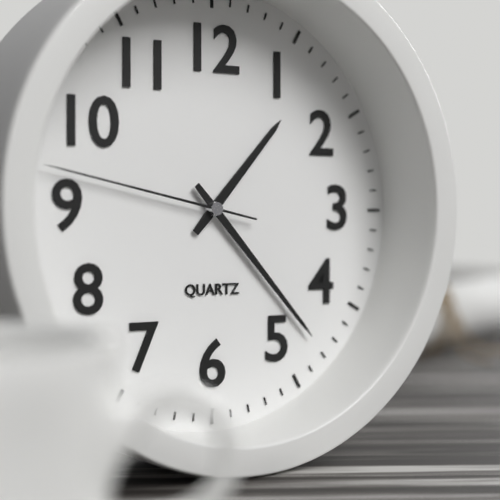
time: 1:23:47
